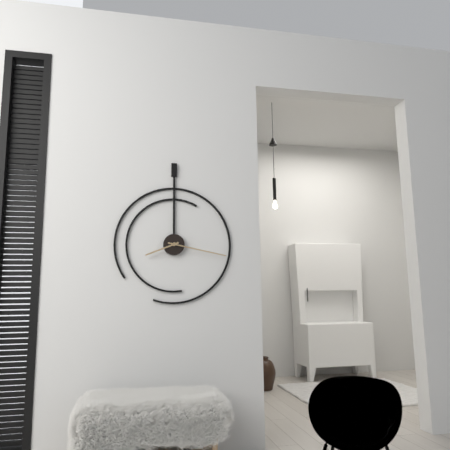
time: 8:17
